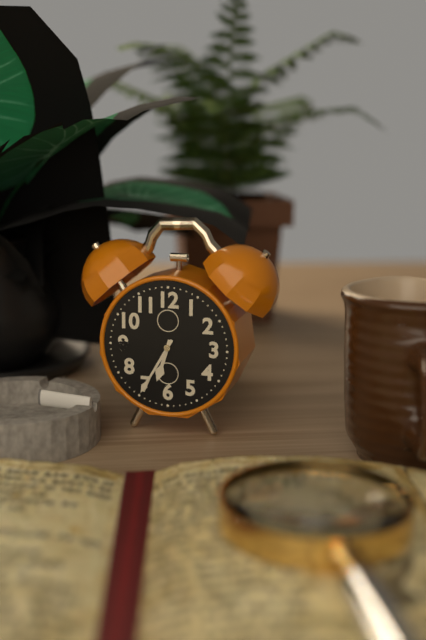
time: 6:35
